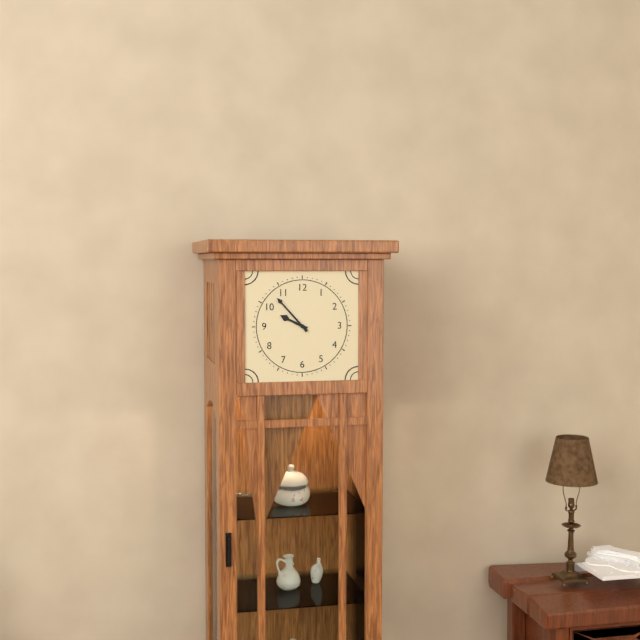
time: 9:53
